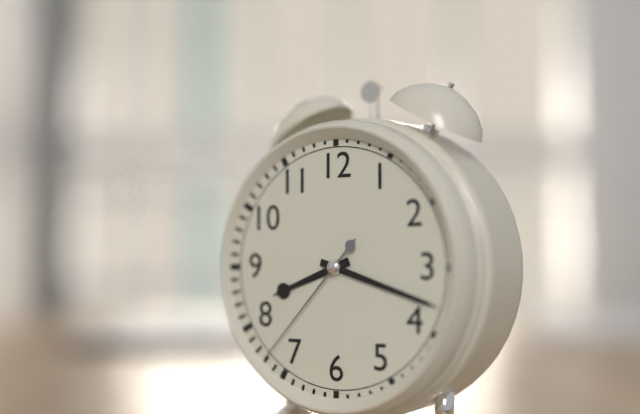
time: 8:18:37
